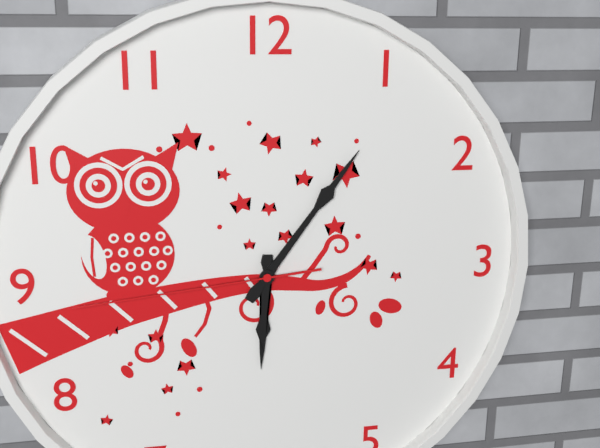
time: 6:06:44
